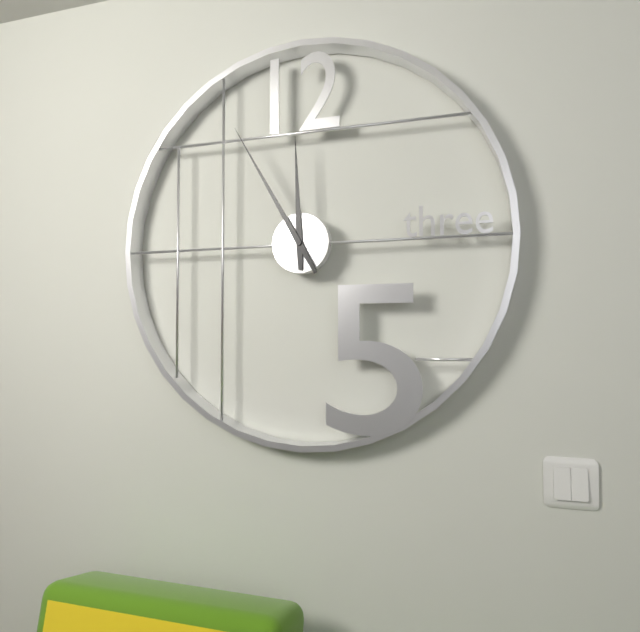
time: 11:55
